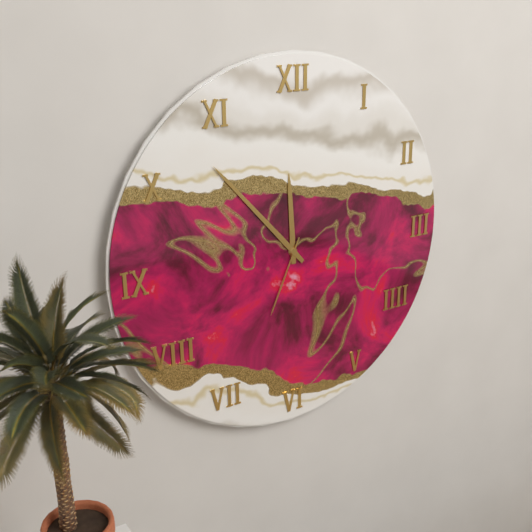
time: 11:53:34
